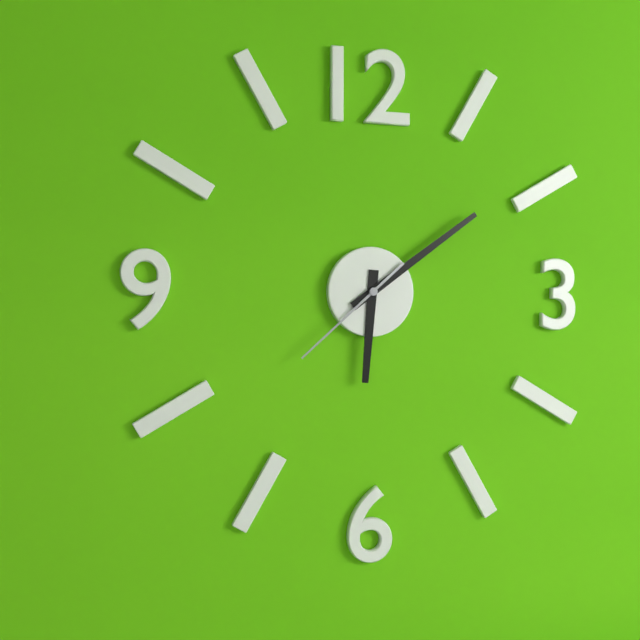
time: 6:09:38
